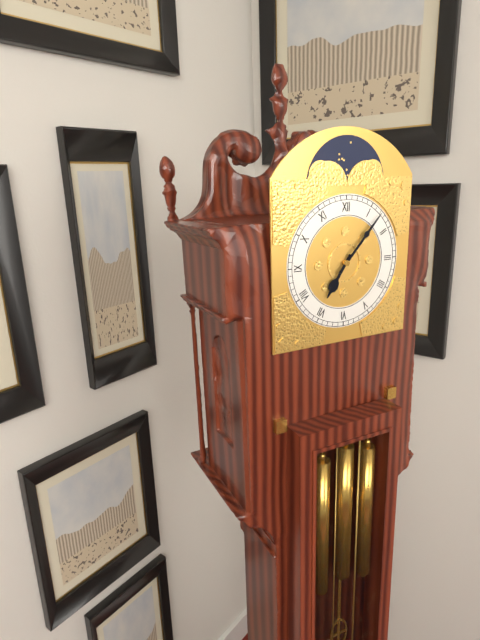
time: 7:07
